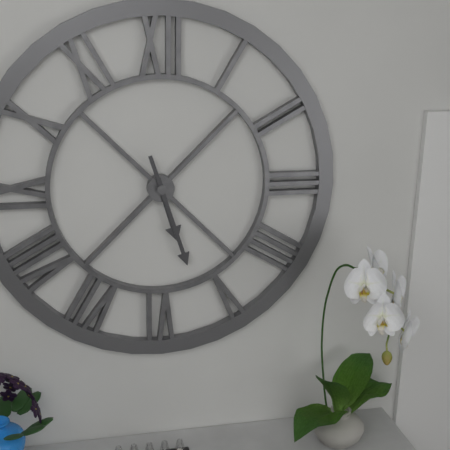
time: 5:27
